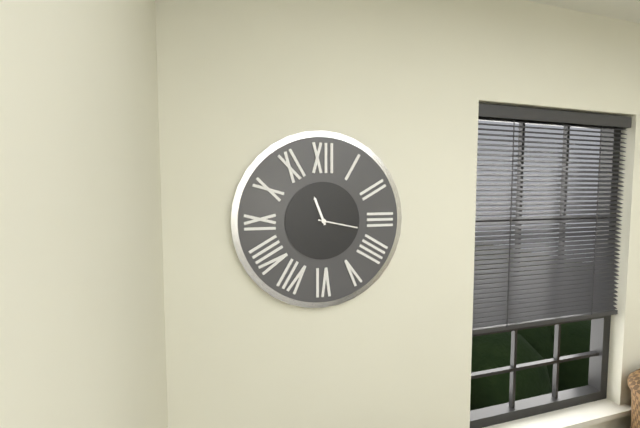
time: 11:17
